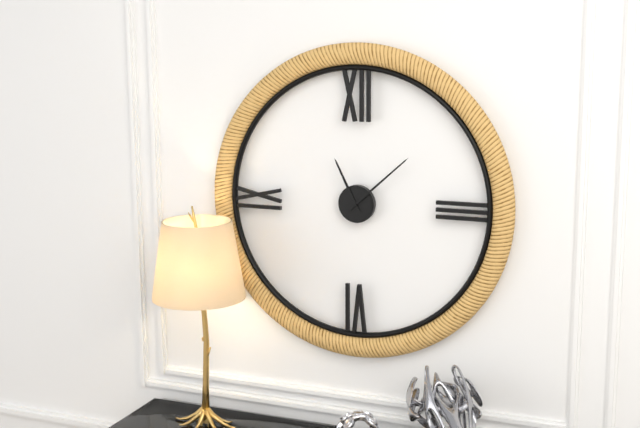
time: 11:08
